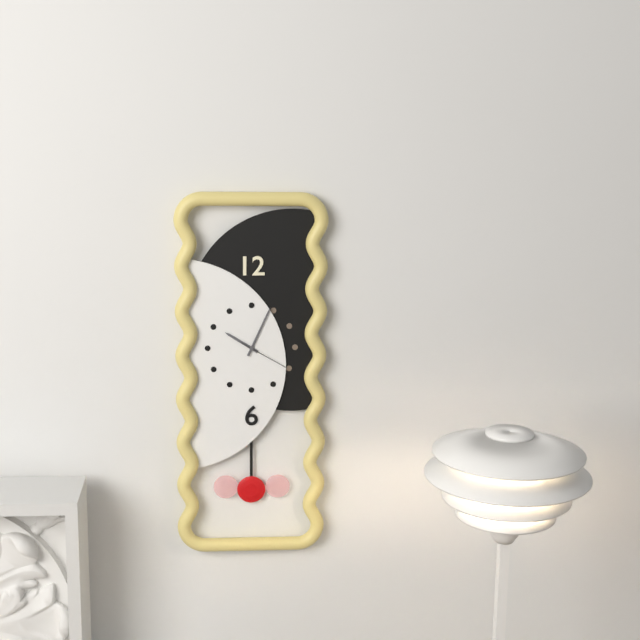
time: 10:04:20
